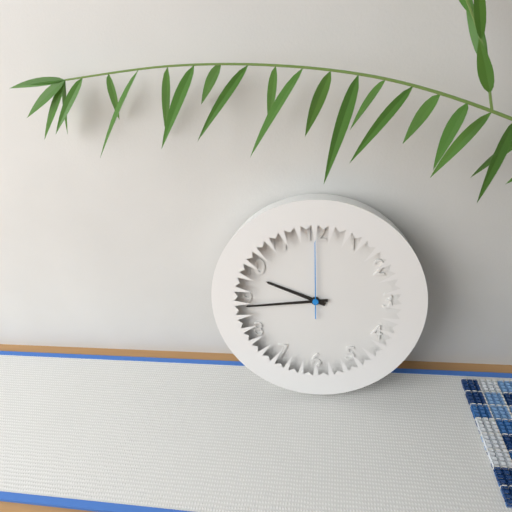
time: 9:44:00
